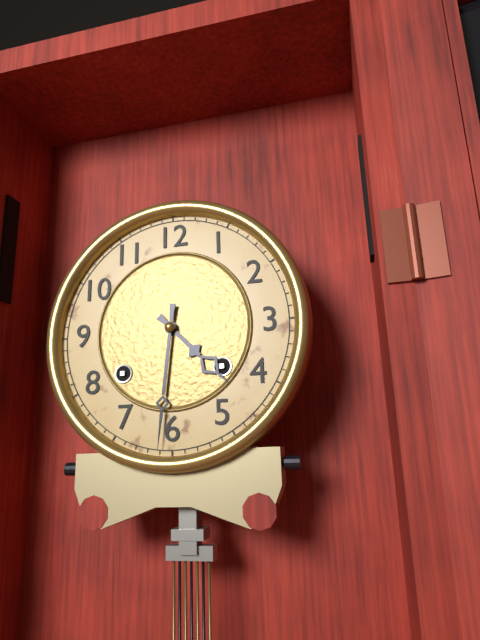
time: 4:31
